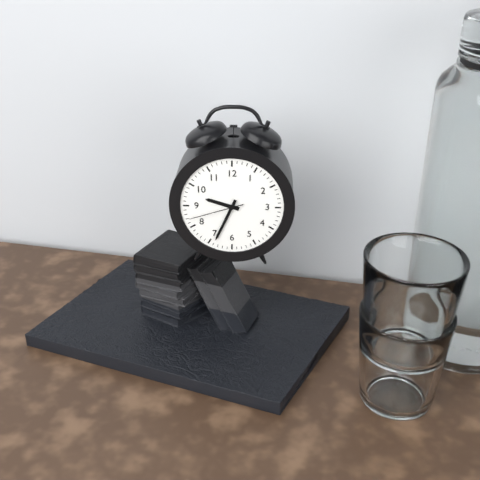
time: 9:34:42
